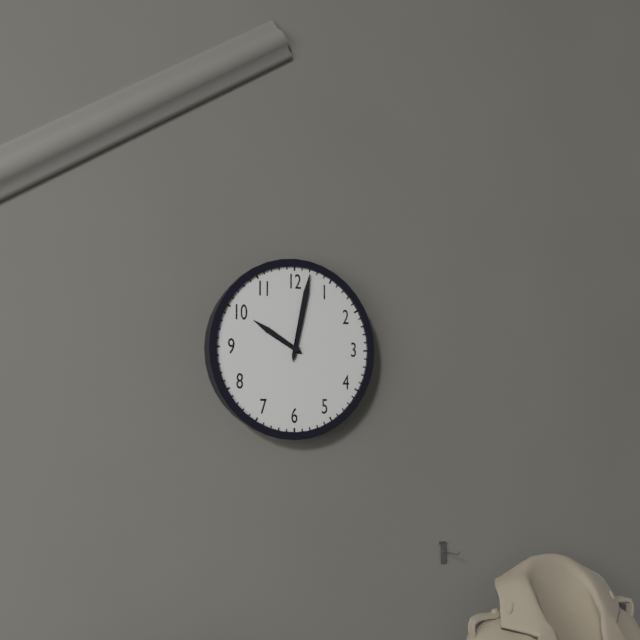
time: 10:02
